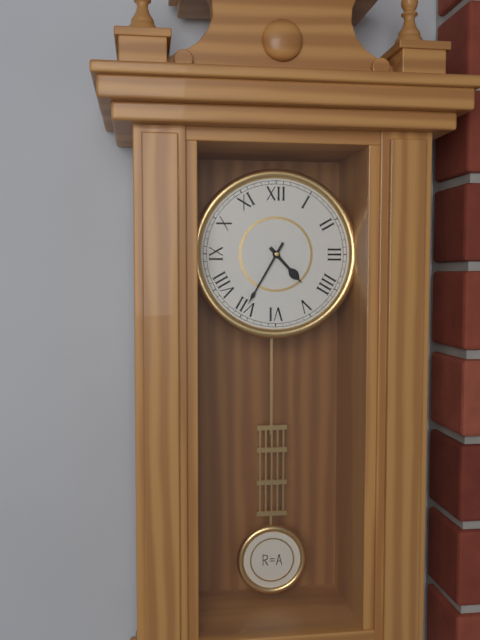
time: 4:35
